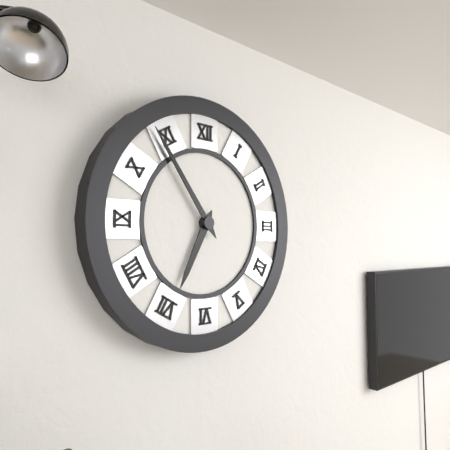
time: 6:54
